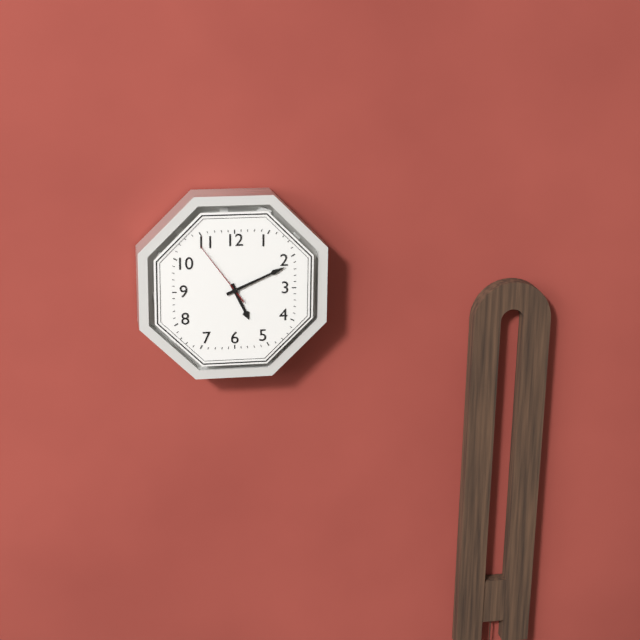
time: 5:11:54
